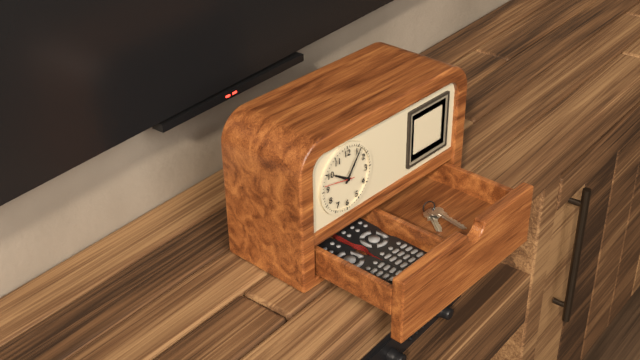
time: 10:06
